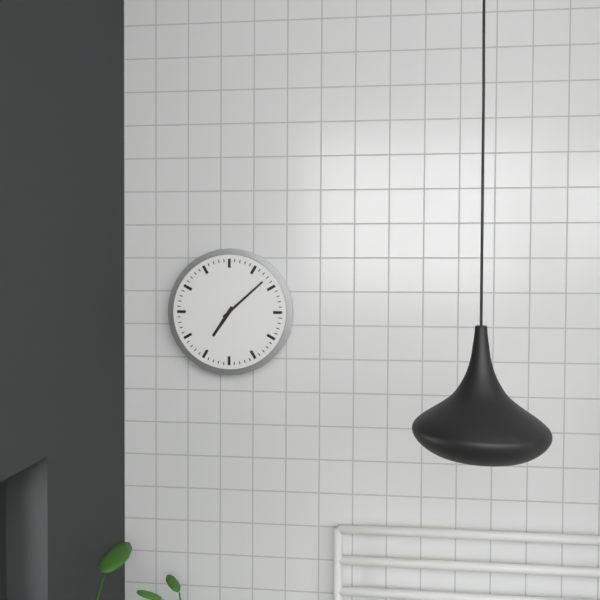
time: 7:08
